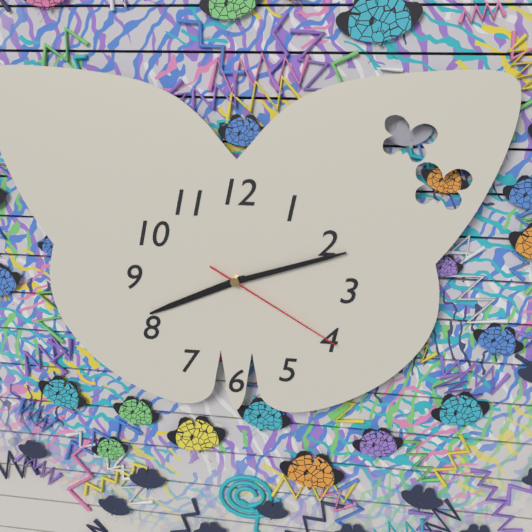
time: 8:12:20
